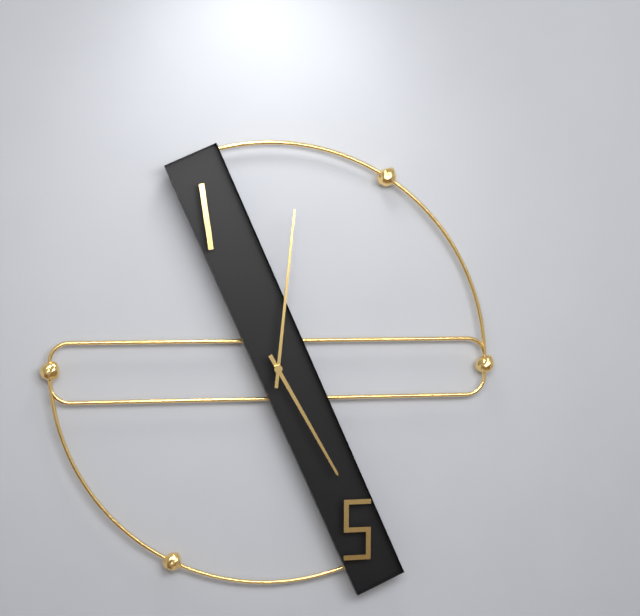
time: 5:01
